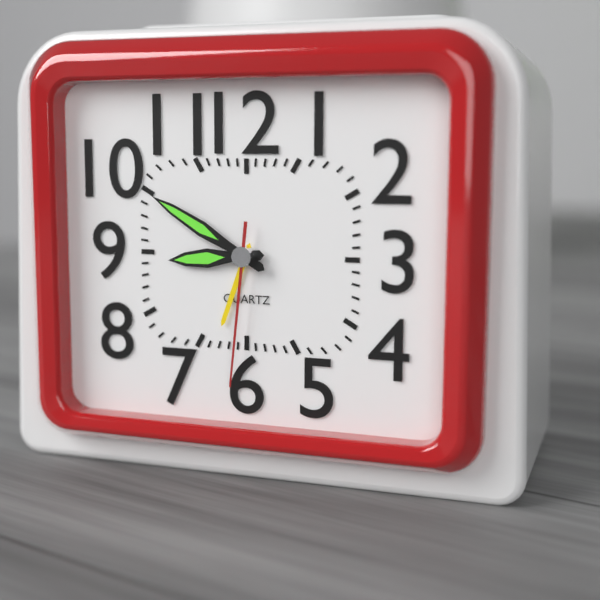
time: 8:50:31
